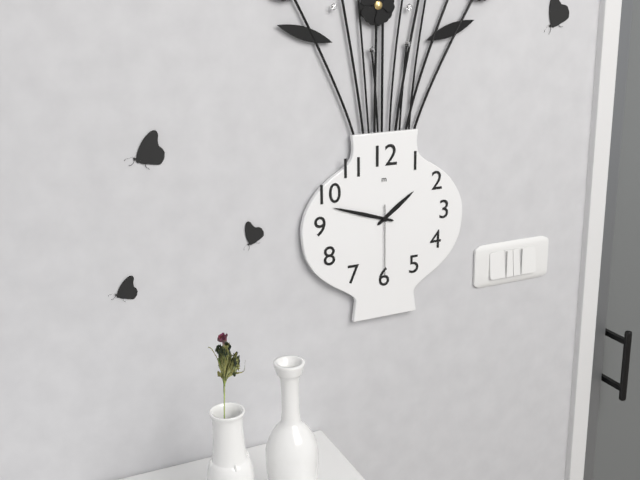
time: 1:48:30
